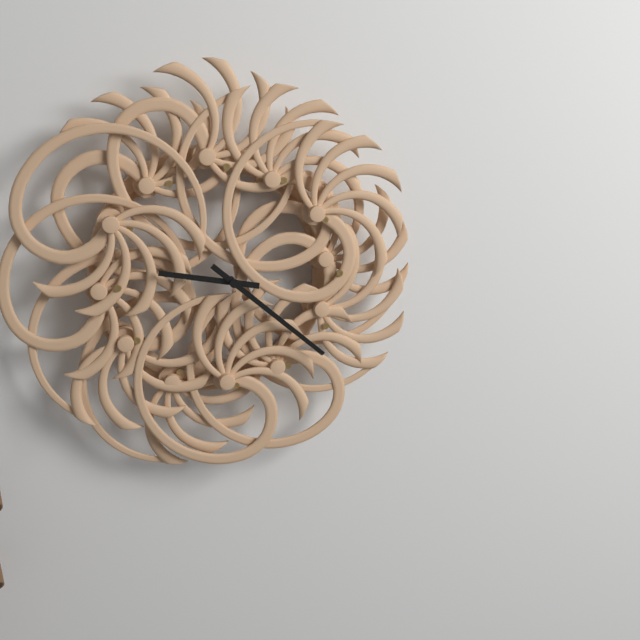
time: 9:22
